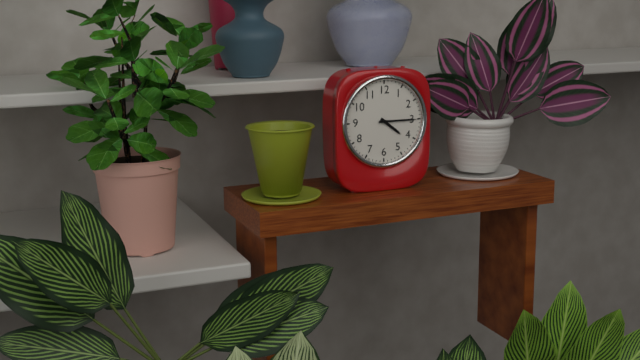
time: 4:15
